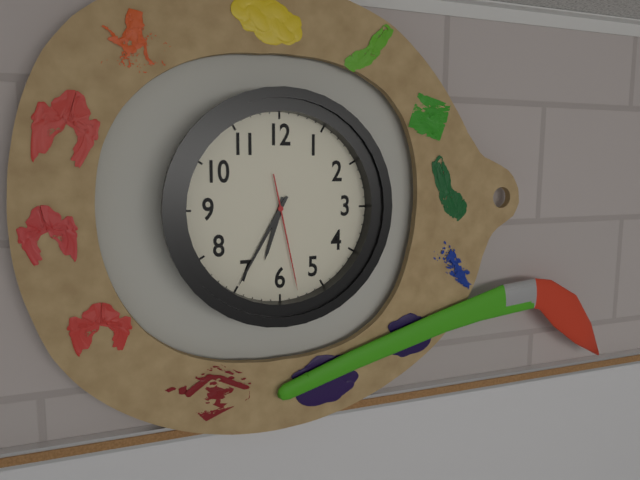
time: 6:35:28
